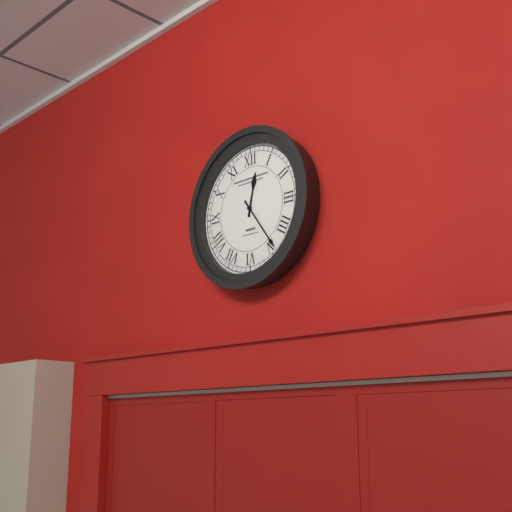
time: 12:24
